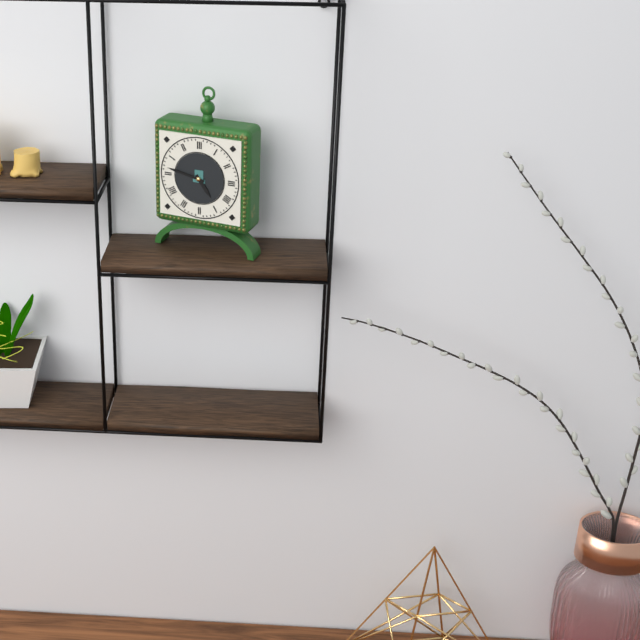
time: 4:47
